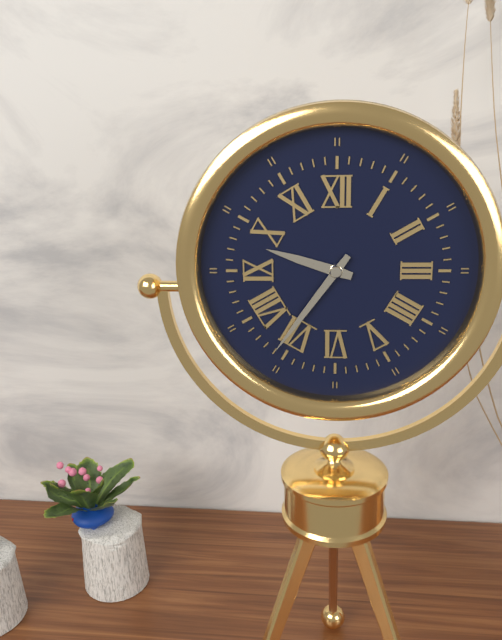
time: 9:36
